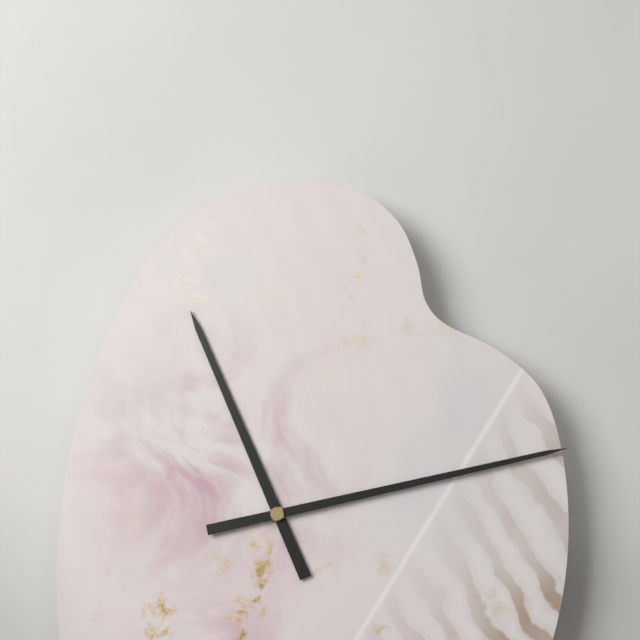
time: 11:13
